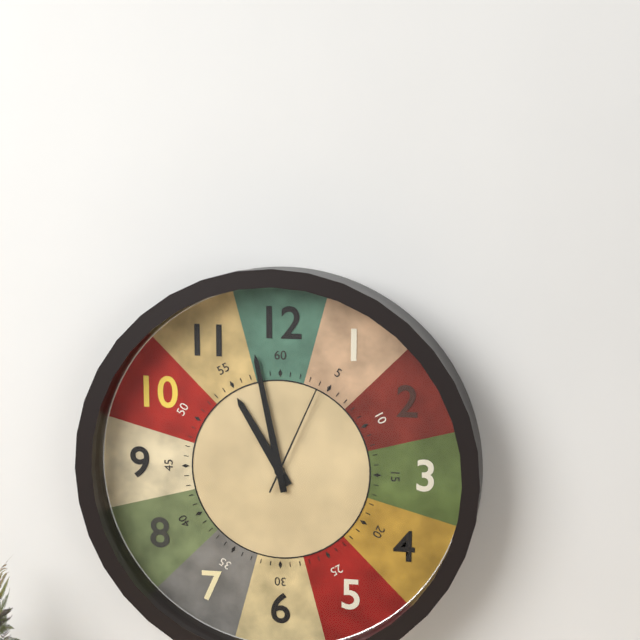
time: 10:58:04
